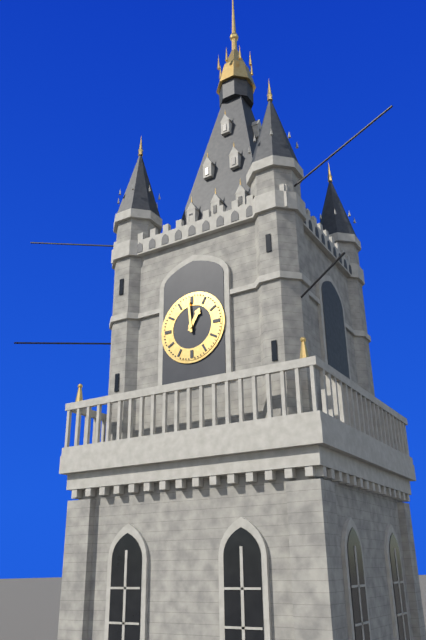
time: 12:59
